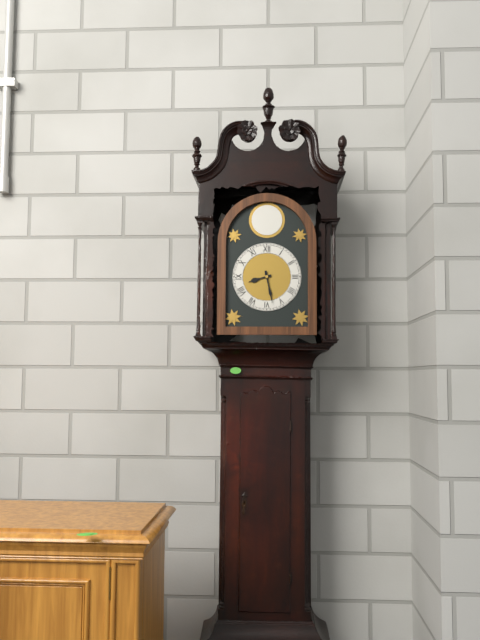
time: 8:28
